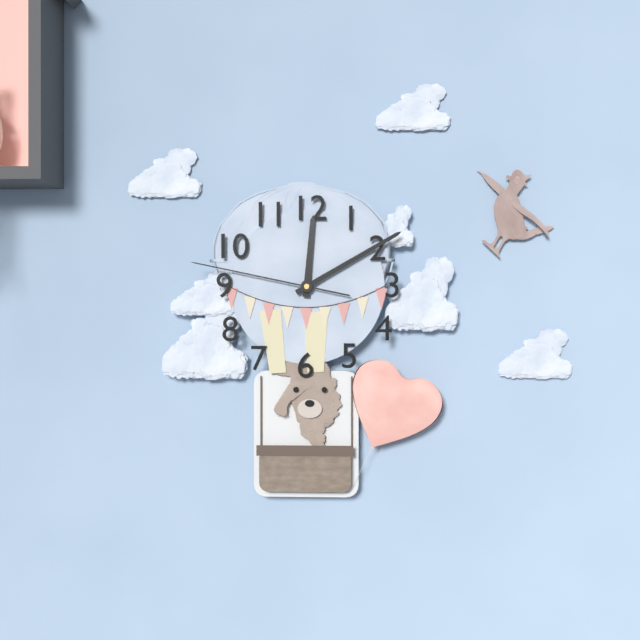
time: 12:10:47
